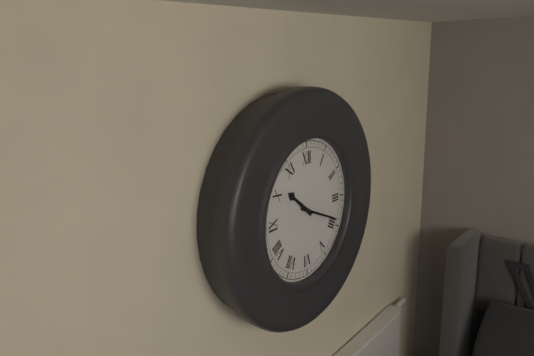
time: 10:19
